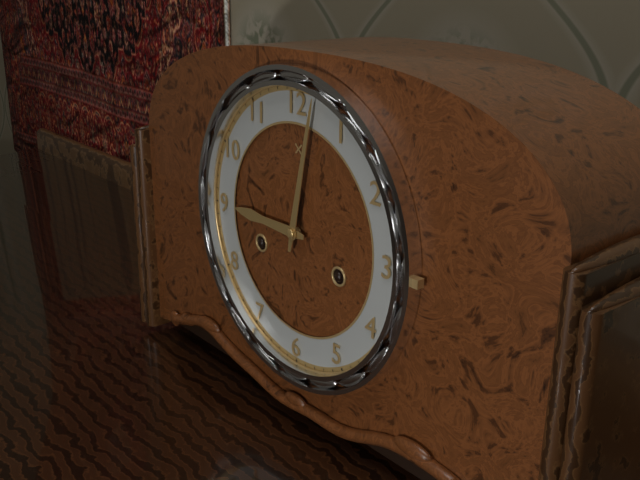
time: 9:02
